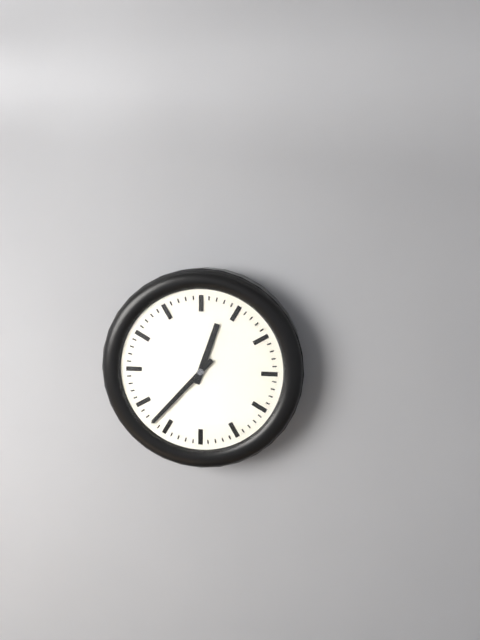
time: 12:37
